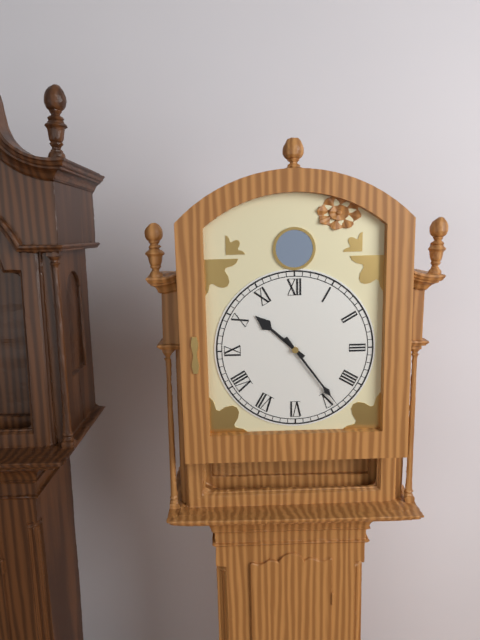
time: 10:24
